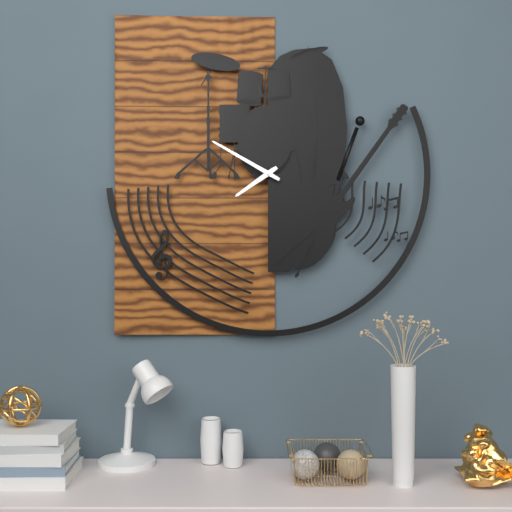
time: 7:50
